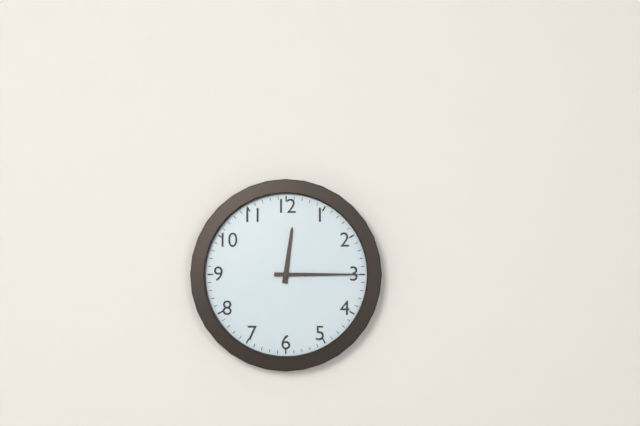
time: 12:15
